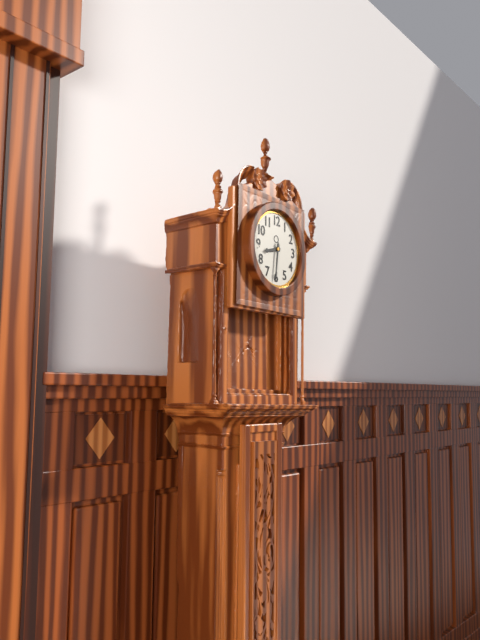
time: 8:31
